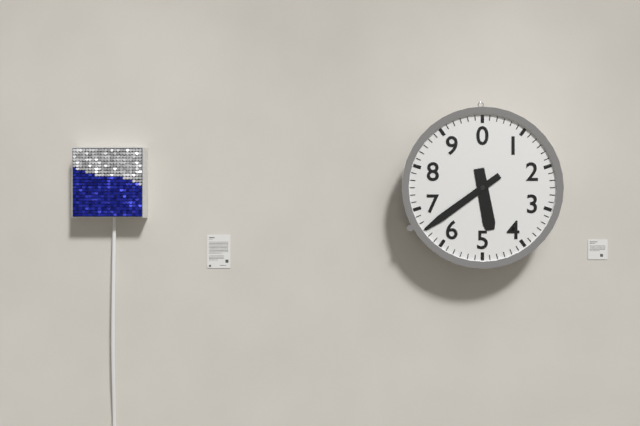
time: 5:39
